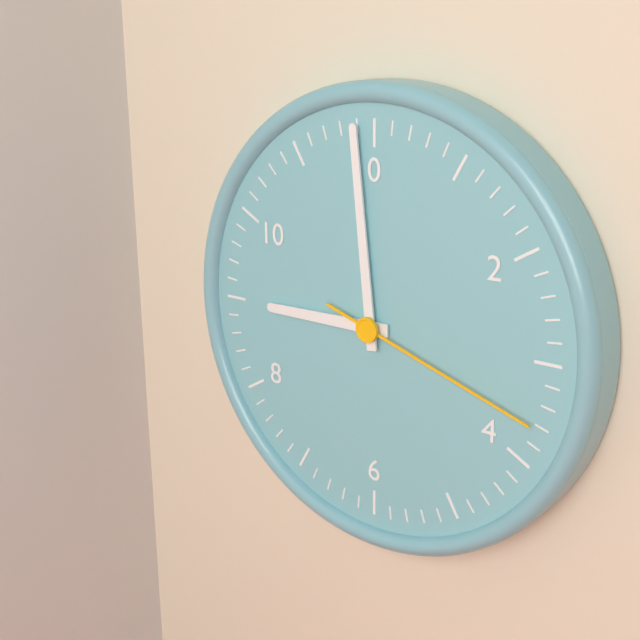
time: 8:59:18
